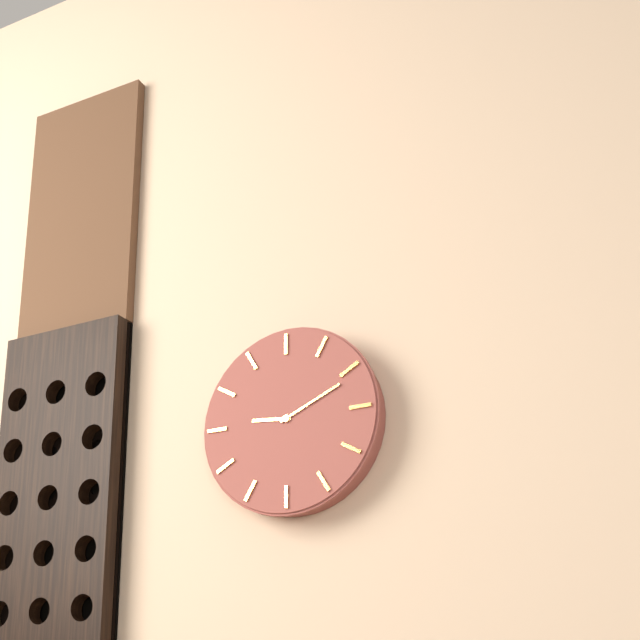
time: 9:11
